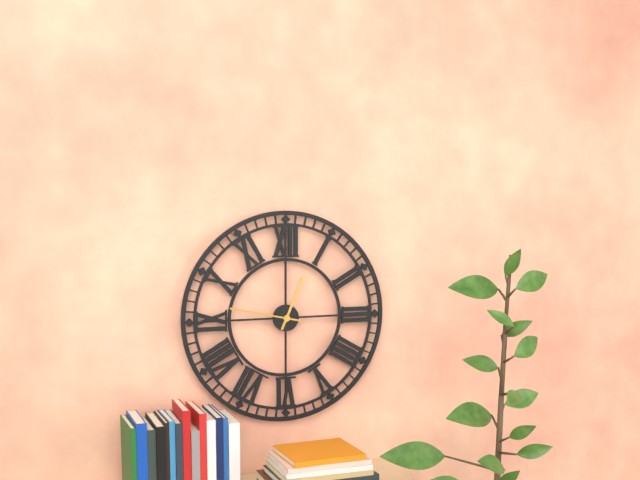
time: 12:47
